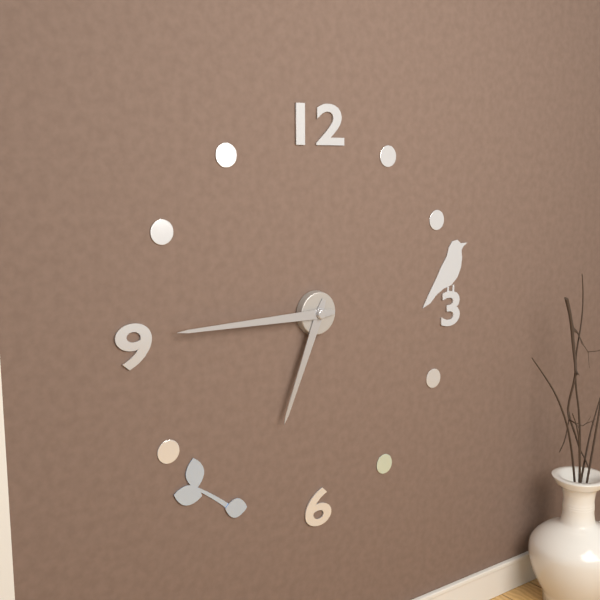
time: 6:45
